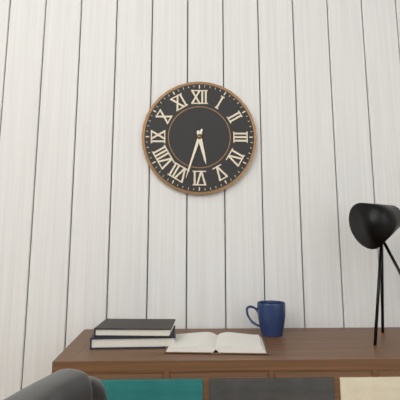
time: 5:33
